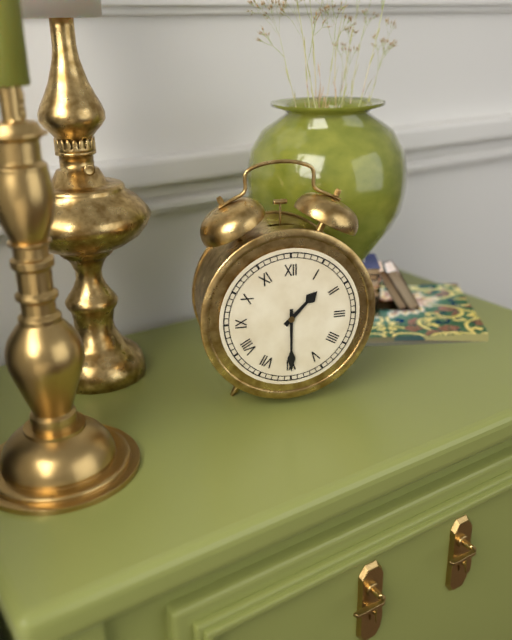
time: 1:30
